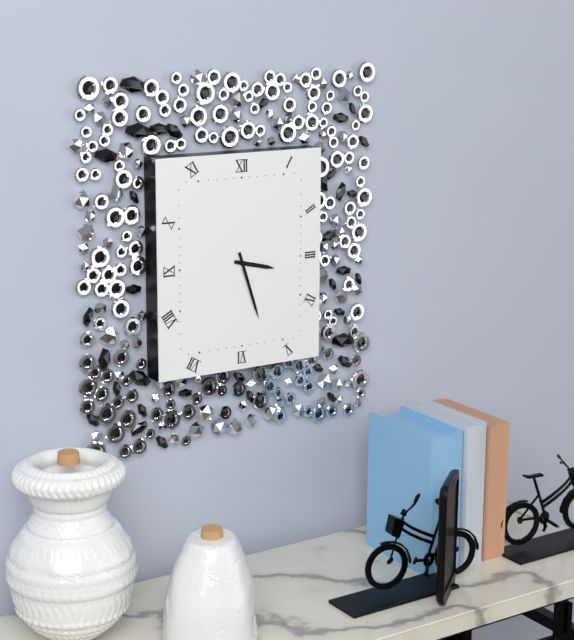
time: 3:27
